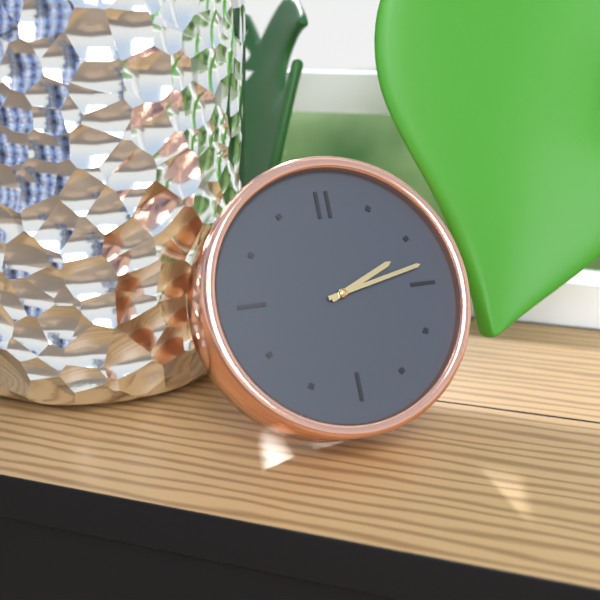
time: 2:13
